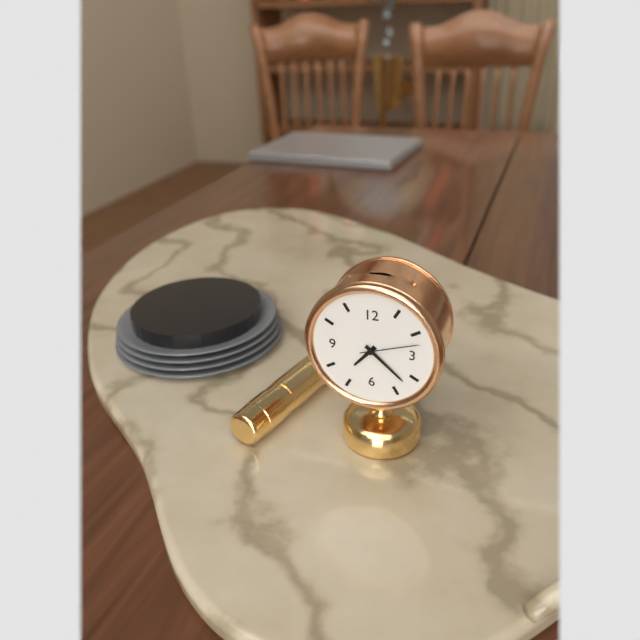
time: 7:22:12
